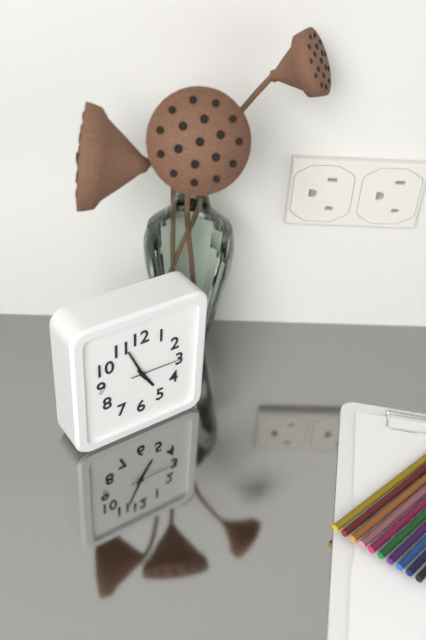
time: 4:56
